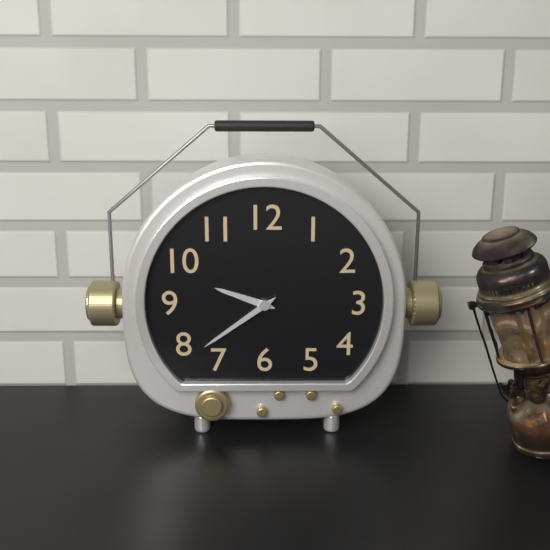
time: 9:39
